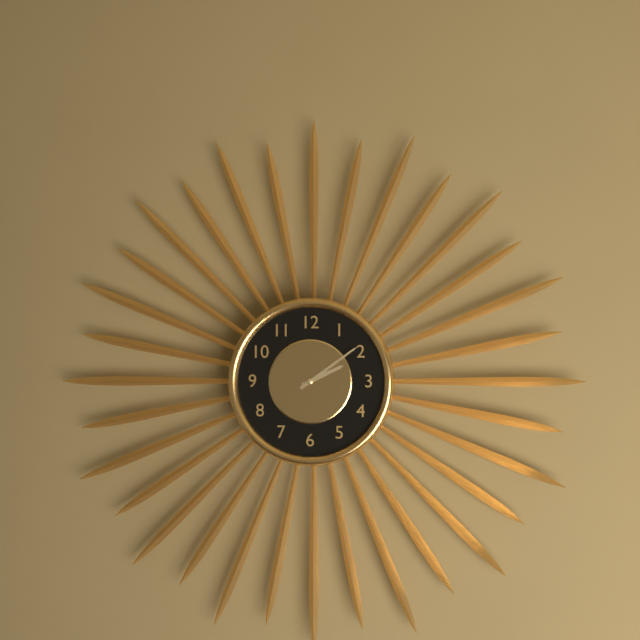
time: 2:09
